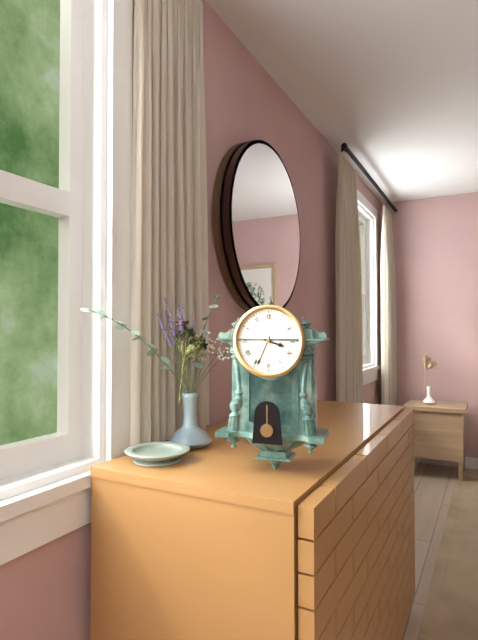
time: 3:34
